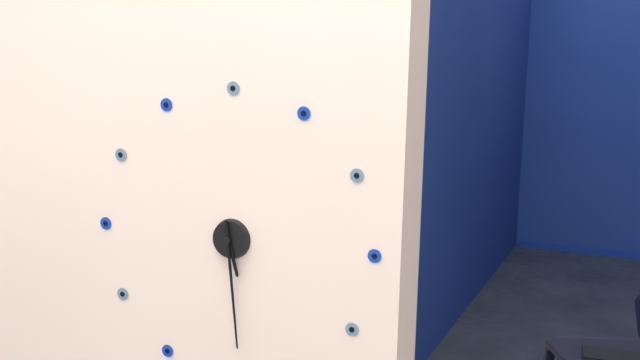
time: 5:29
